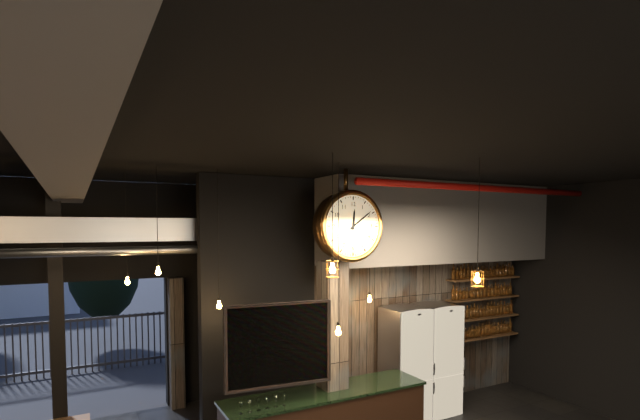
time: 12:09
